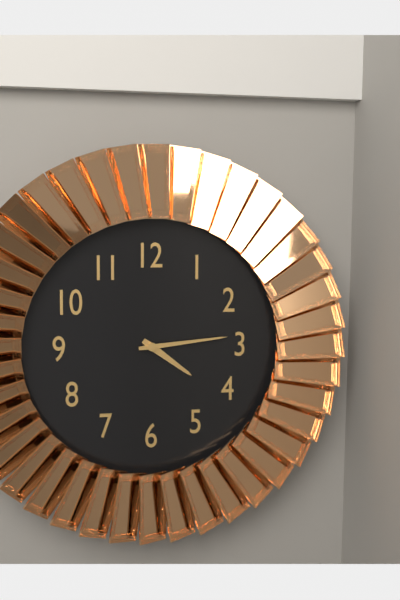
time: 4:14
